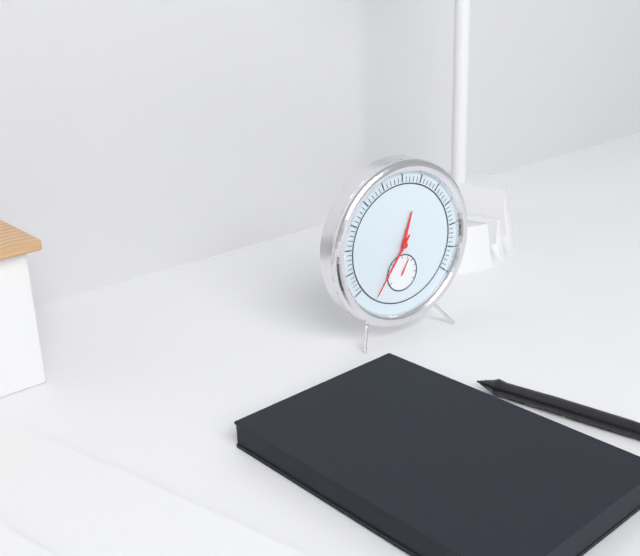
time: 12:36
